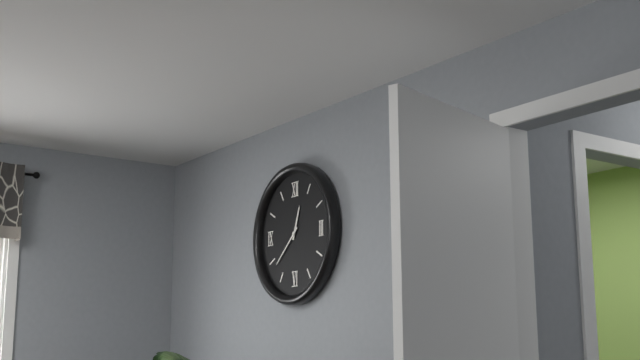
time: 12:38
